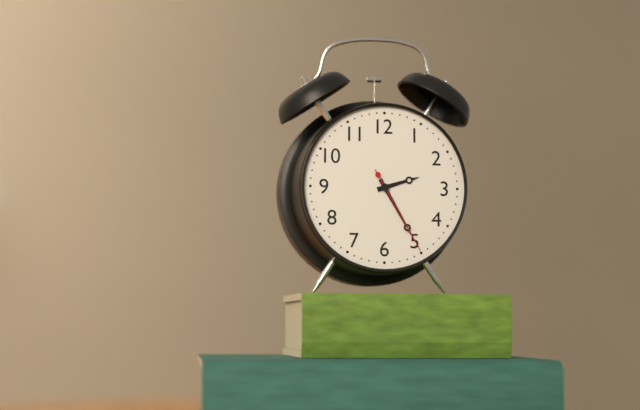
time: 2:25:25
